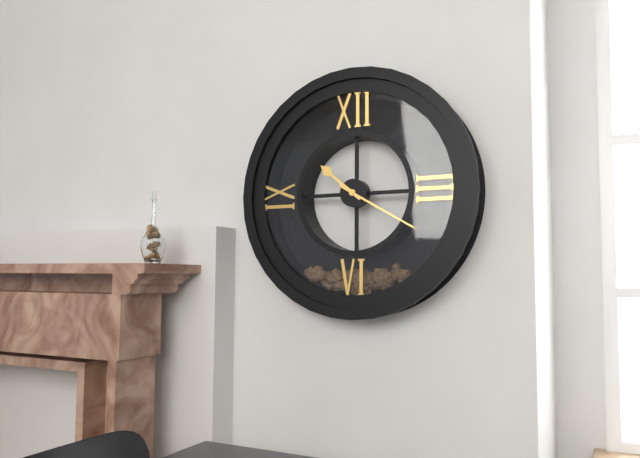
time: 10:20
